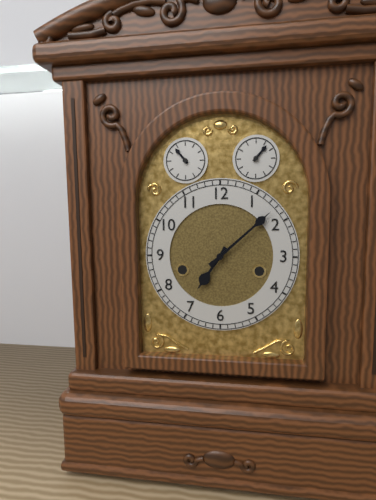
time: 7:08
